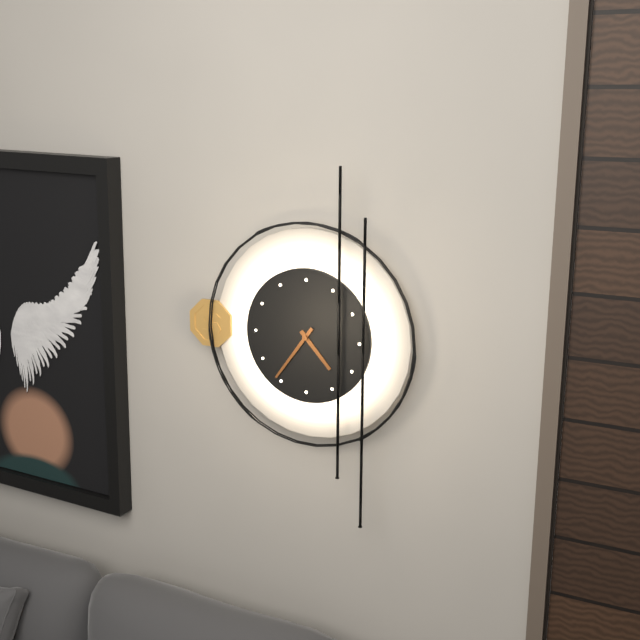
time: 4:36
